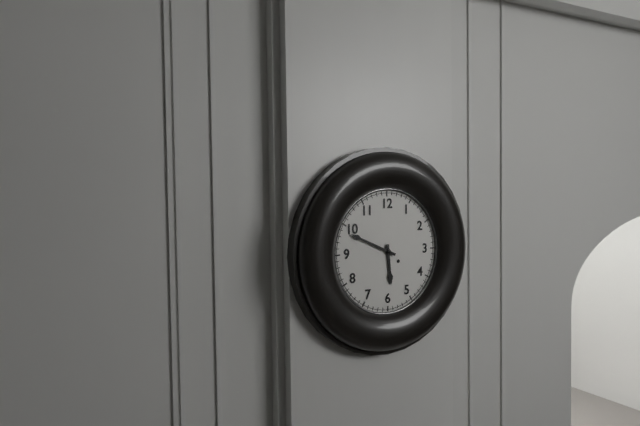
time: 5:49
